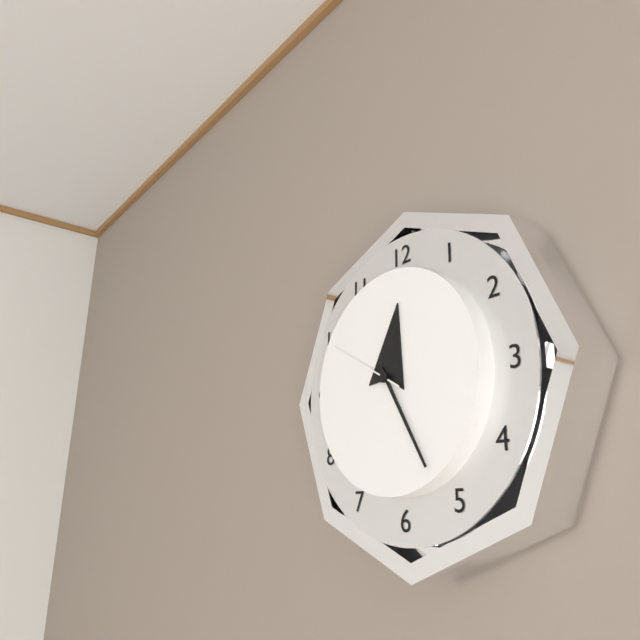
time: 12:25:50
